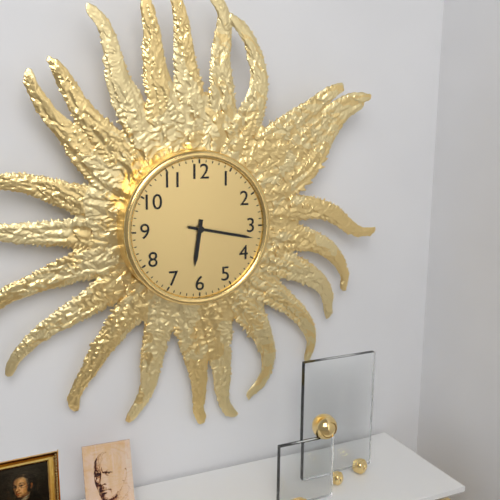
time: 6:17
